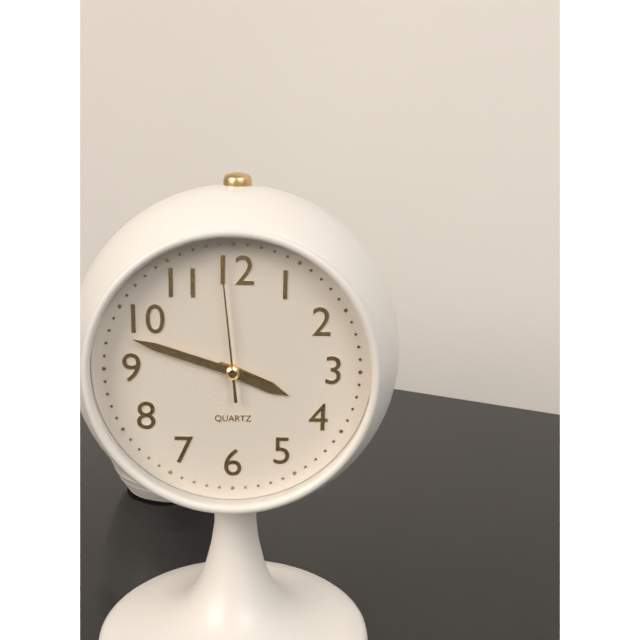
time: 3:48:59
